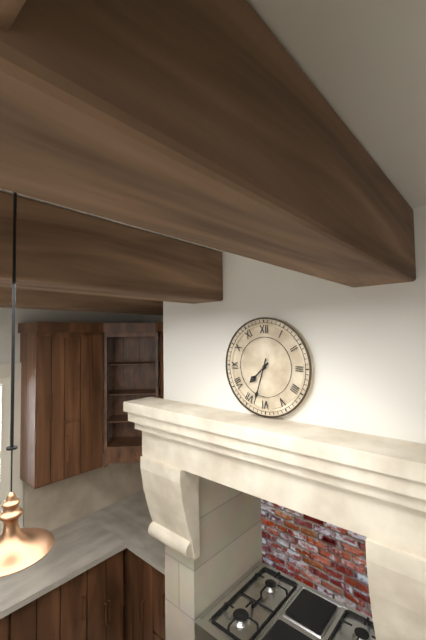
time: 7:33
